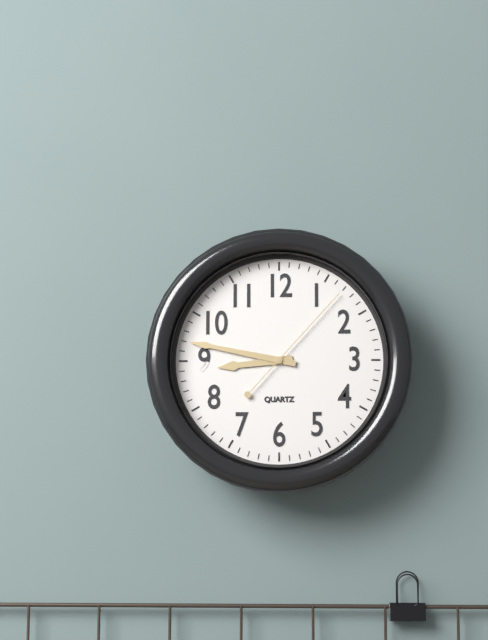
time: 8:47:07
